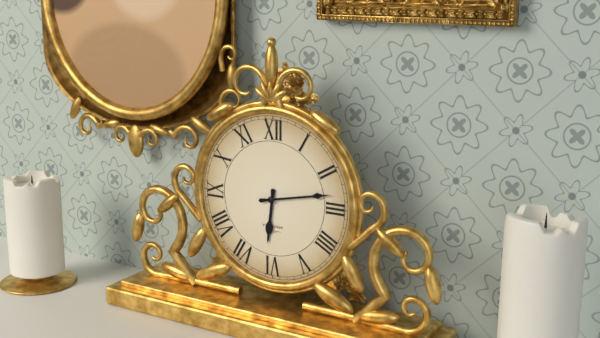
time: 6:13
